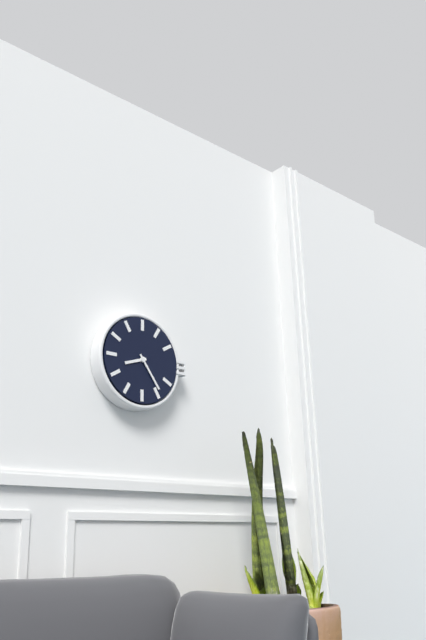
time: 8:24
